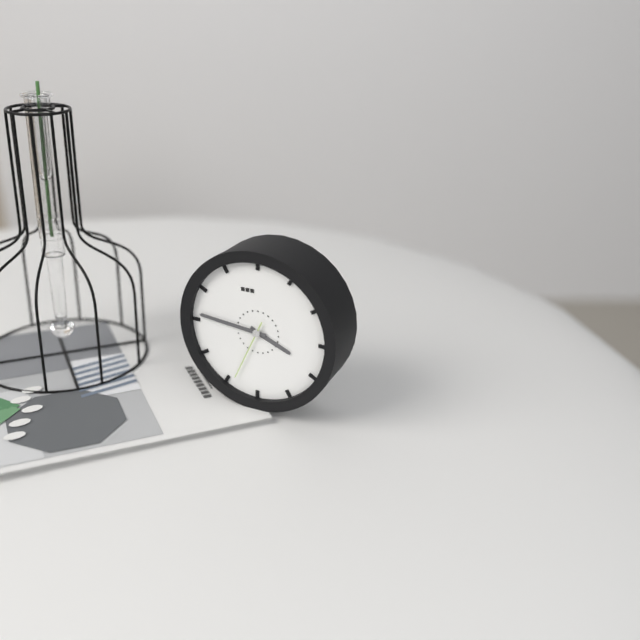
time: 3:46:34
